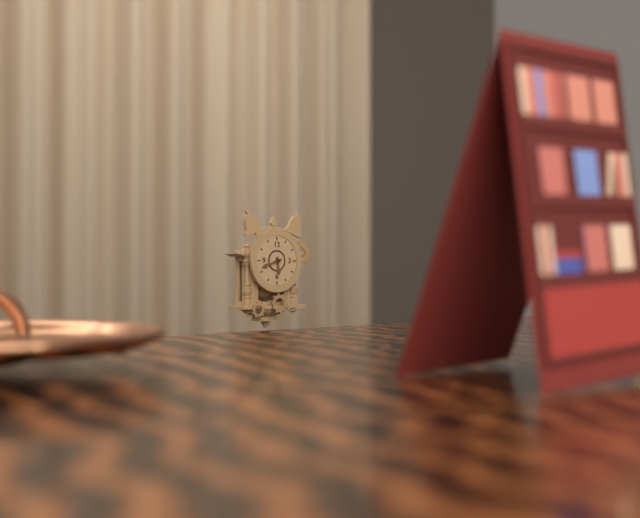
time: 5:42
